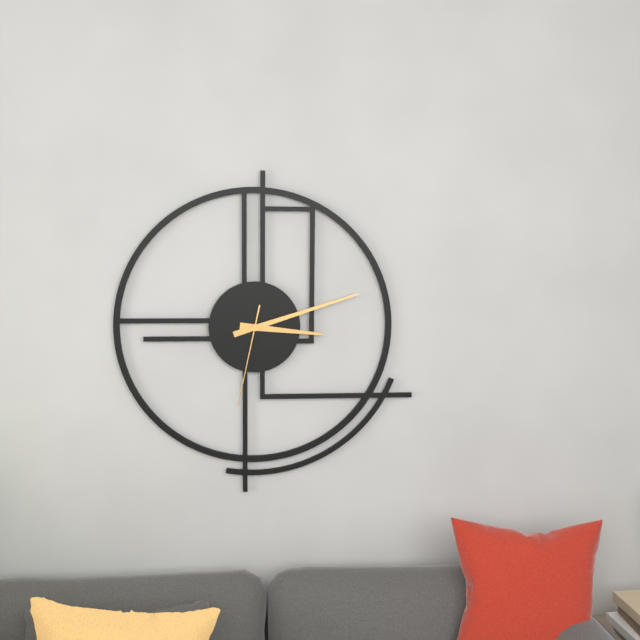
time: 3:12:32
